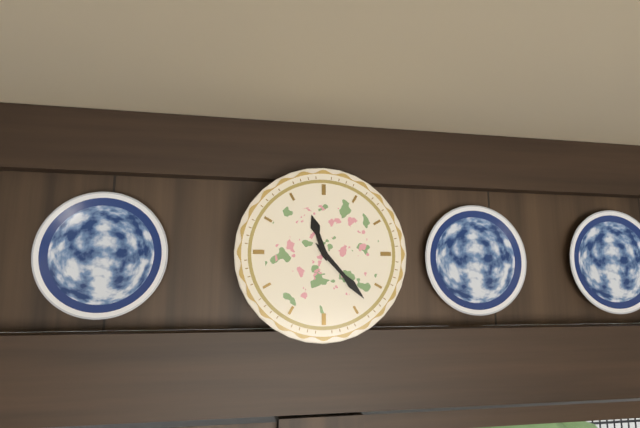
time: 11:23
